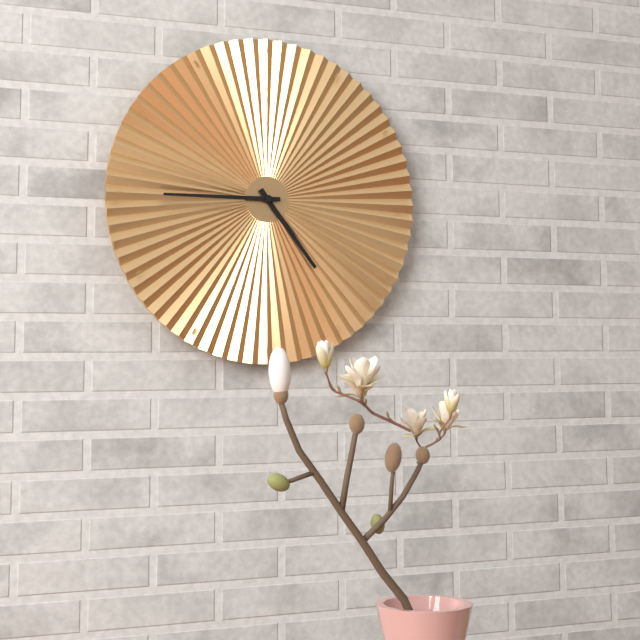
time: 4:45
